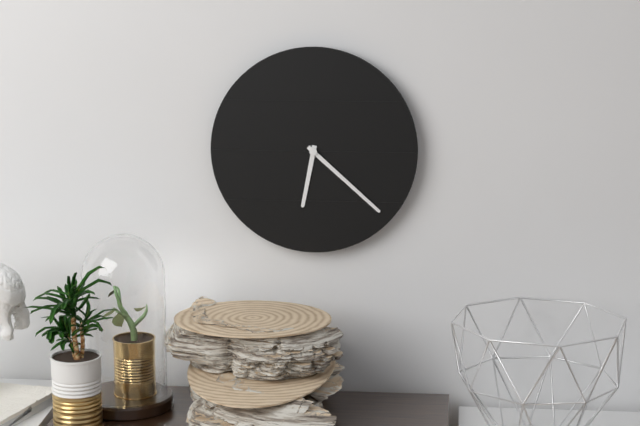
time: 6:22
